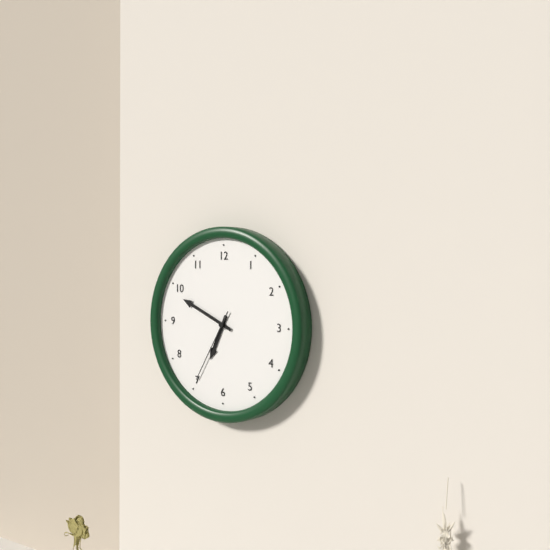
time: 6:49:35
